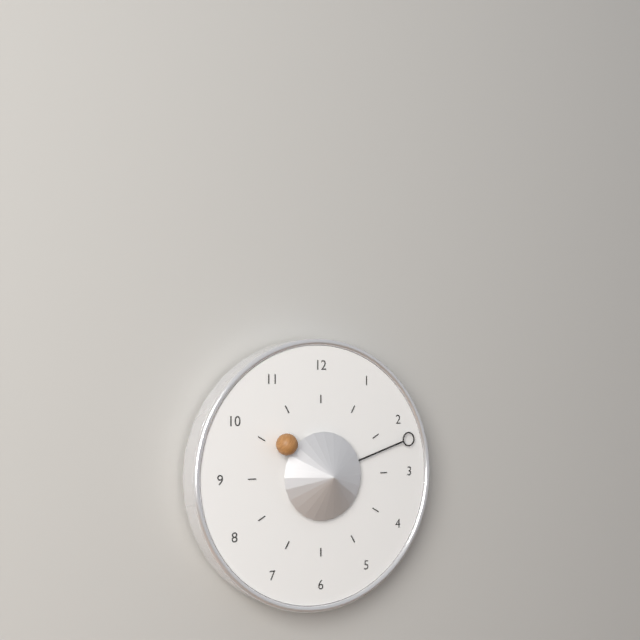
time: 10:12
